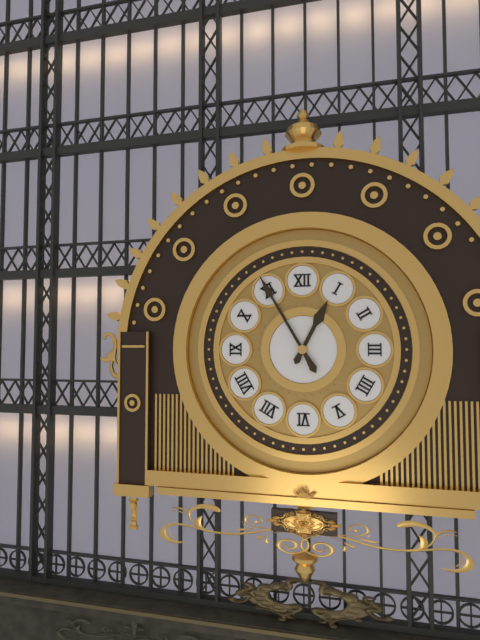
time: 12:55
